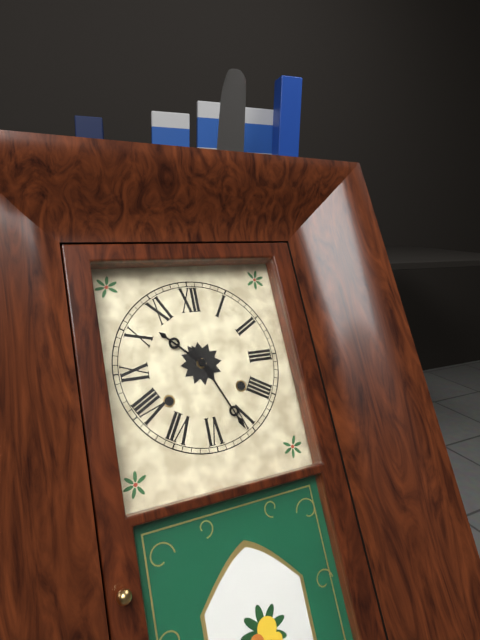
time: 10:26
